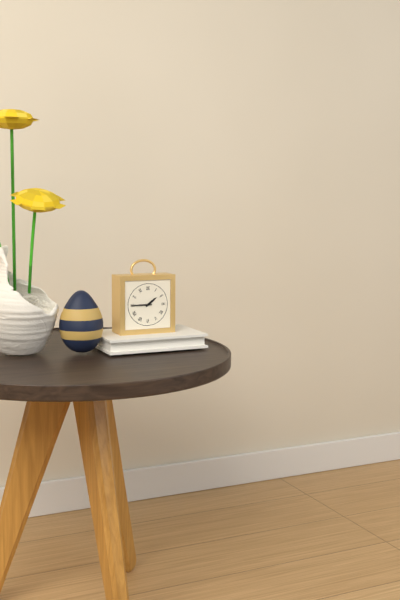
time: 1:45
